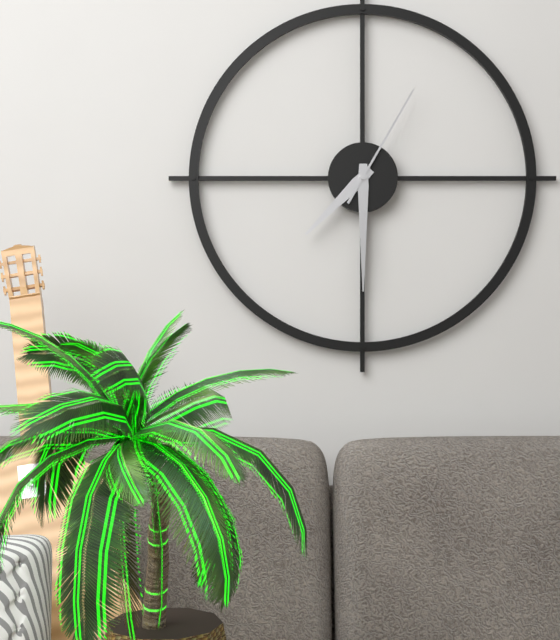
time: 7:30:05
